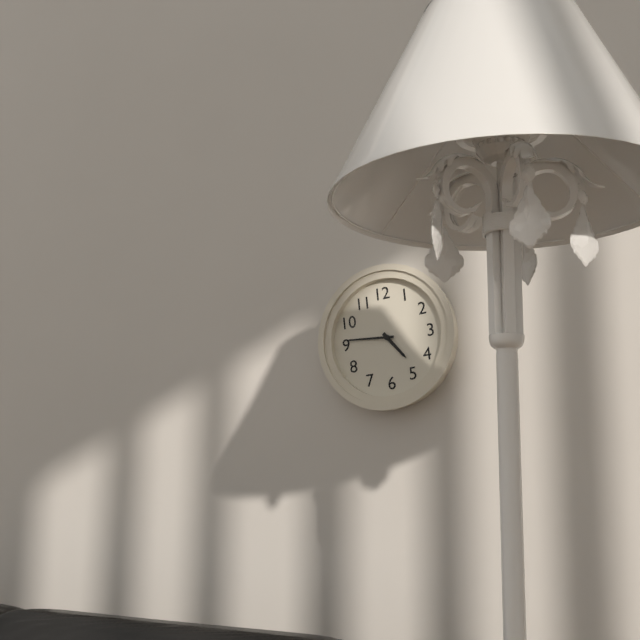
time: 4:46
